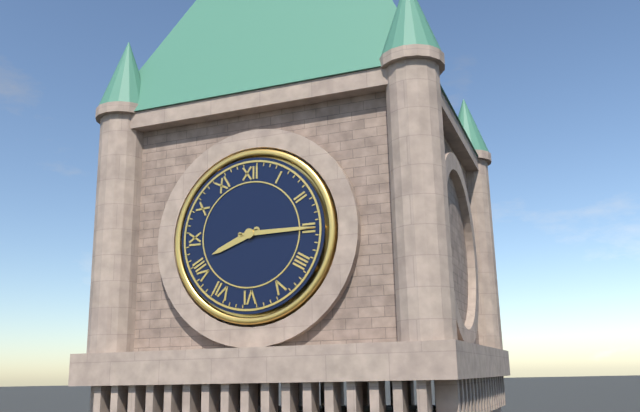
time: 8:15
